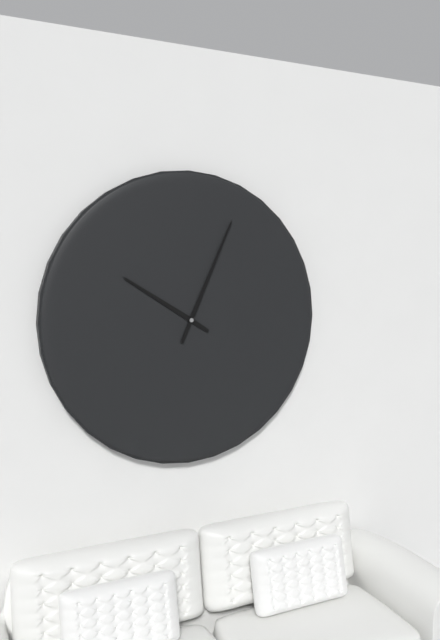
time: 10:04
